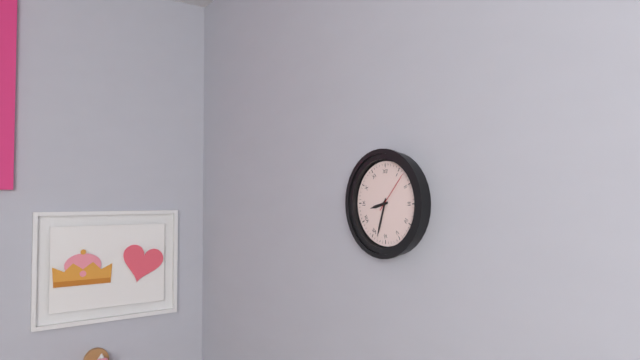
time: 8:33
